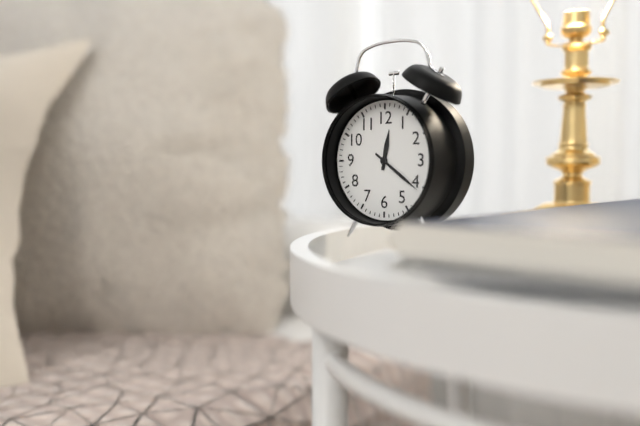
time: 12:21
